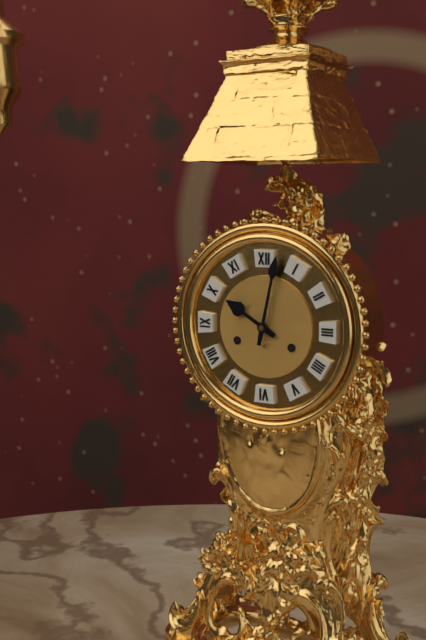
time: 10:02
